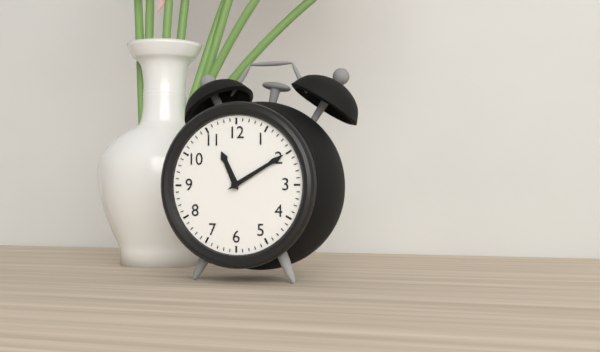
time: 11:10
